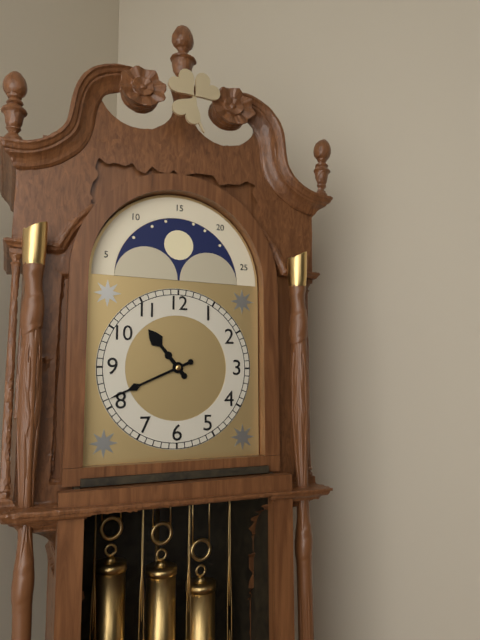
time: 10:41
